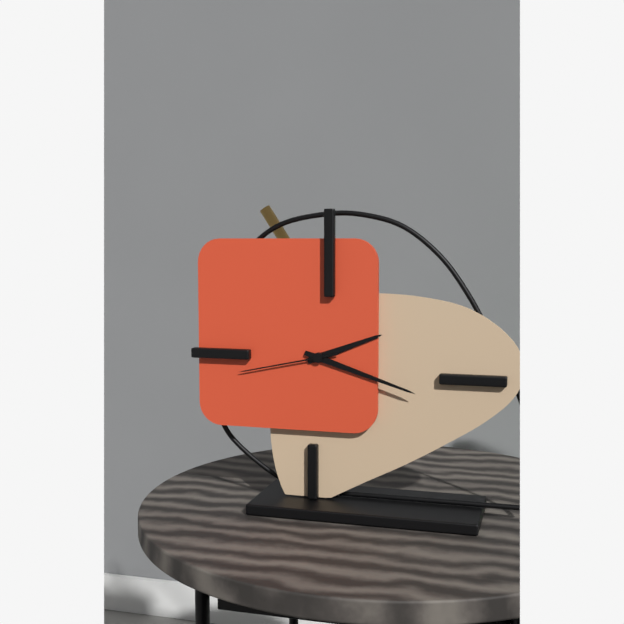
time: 2:18:43
